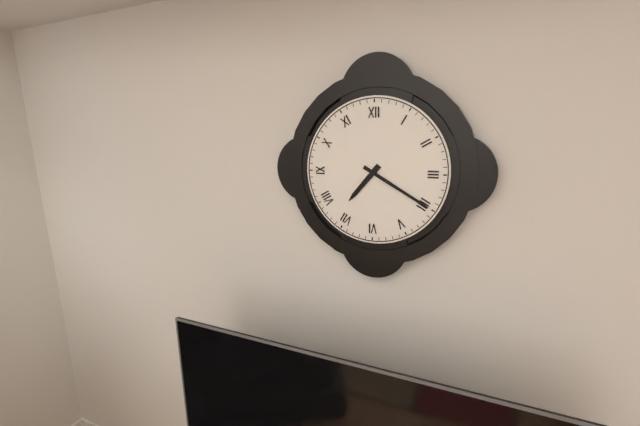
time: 7:20
